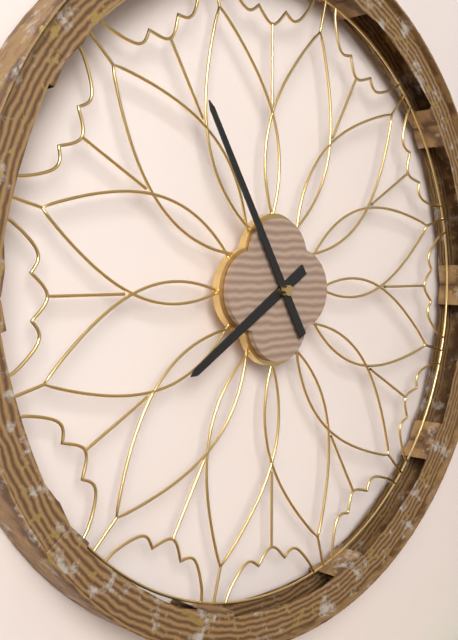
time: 7:55
